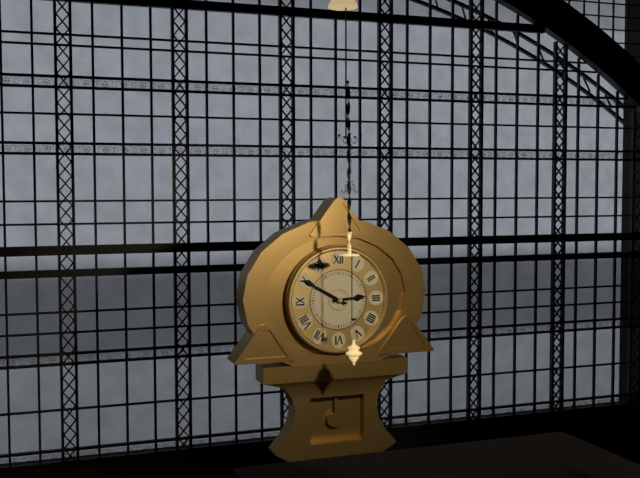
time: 2:50
